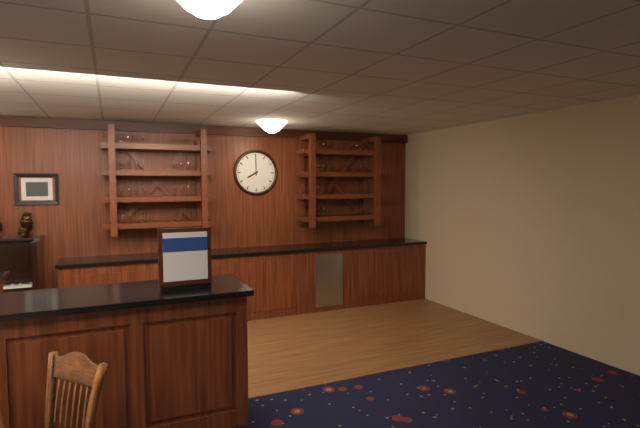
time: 8:00
